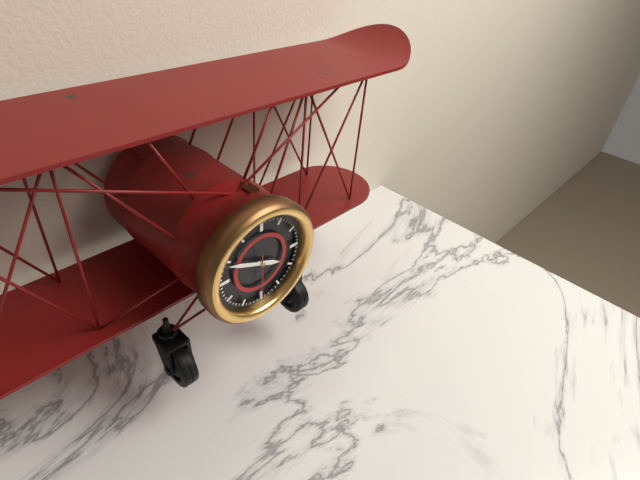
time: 3:49
